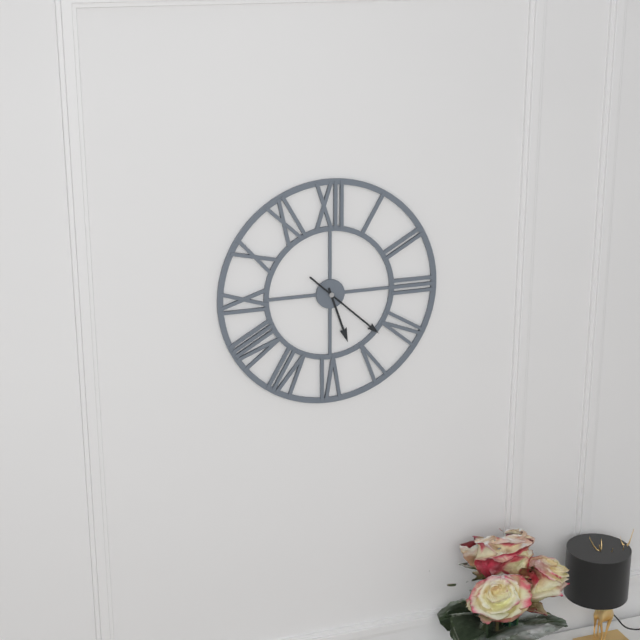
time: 5:22
